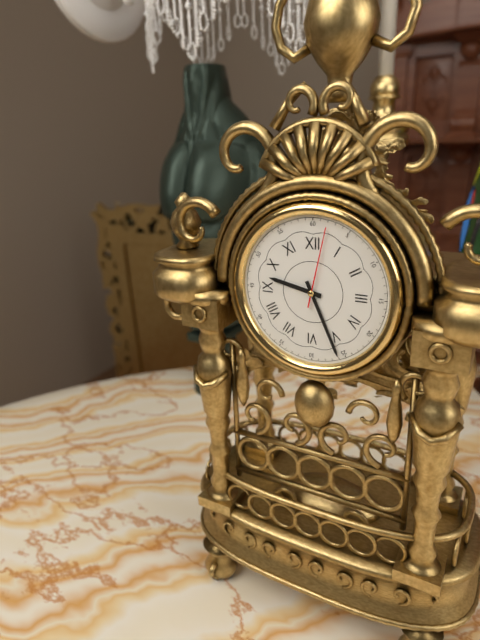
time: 9:26:02
